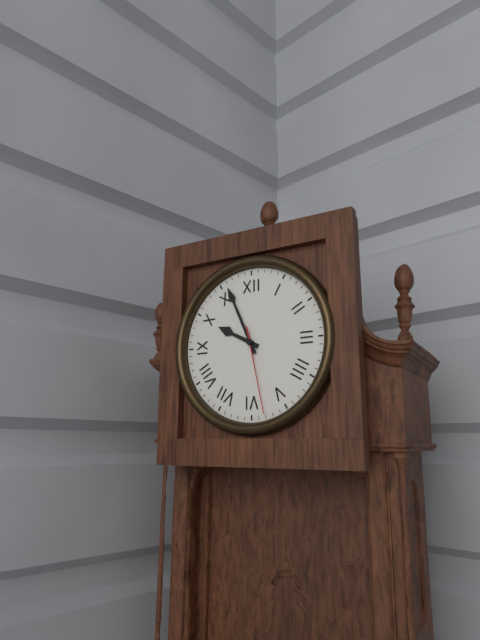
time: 9:56:28
